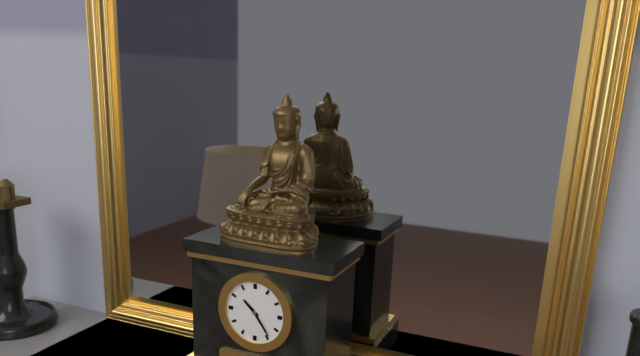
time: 10:24
